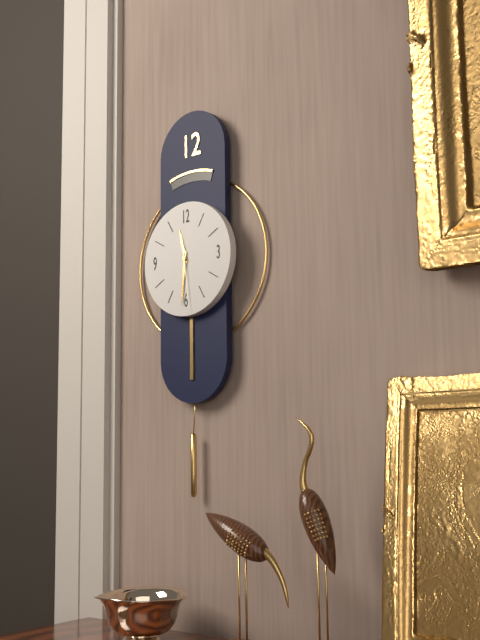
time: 11:31:29
